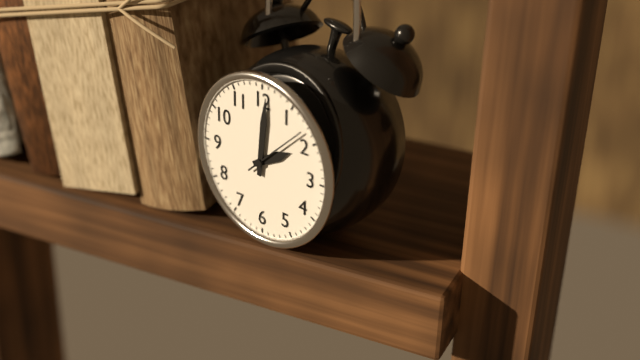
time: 2:01:08
